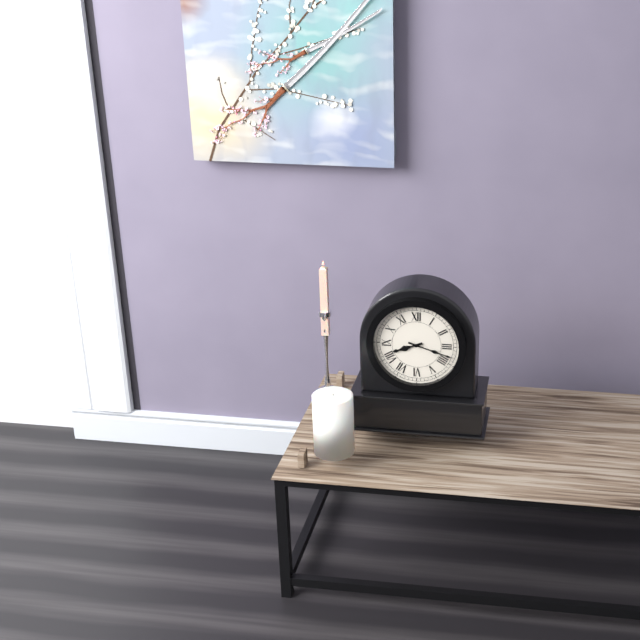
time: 8:18
